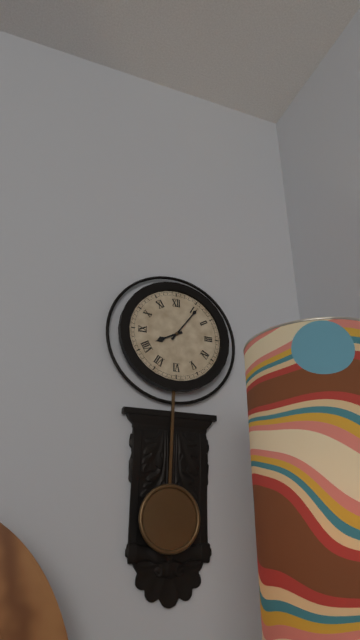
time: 8:06
